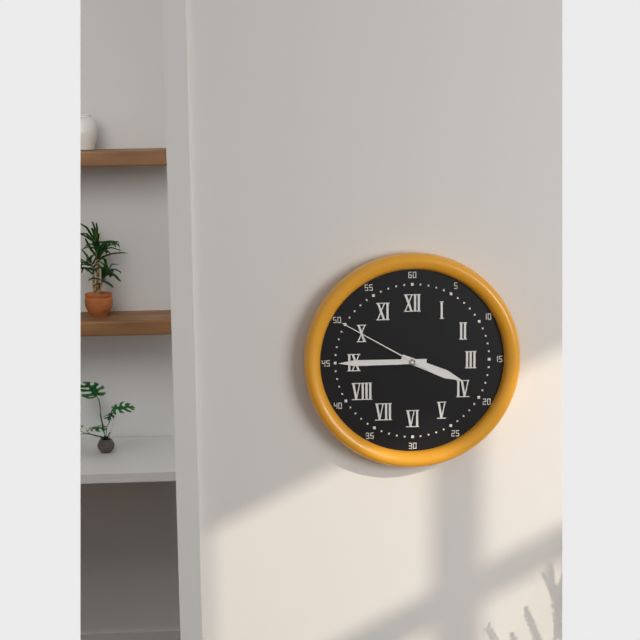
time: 3:45:50
